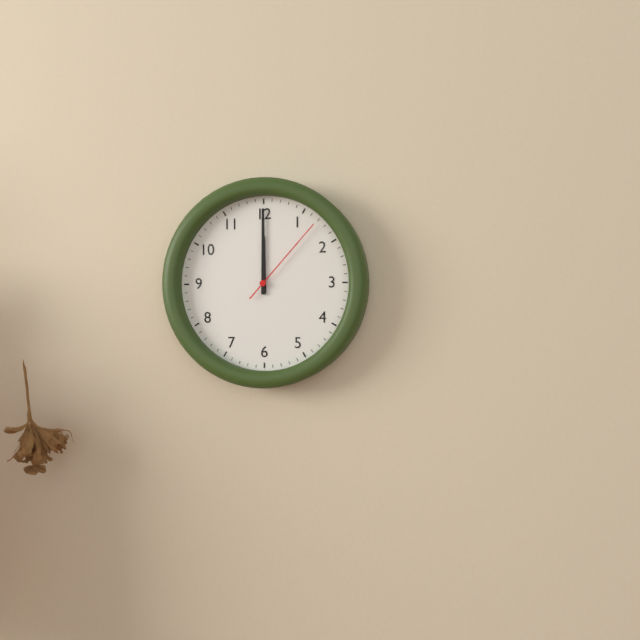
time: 12:00:07
